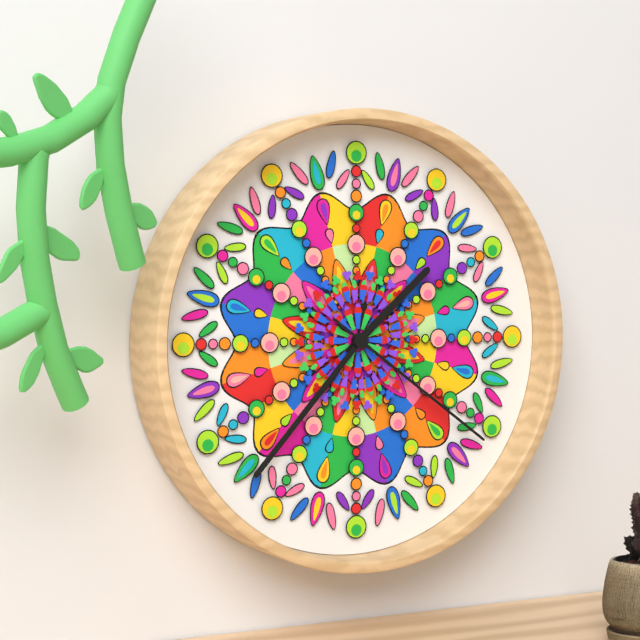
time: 1:37:21
